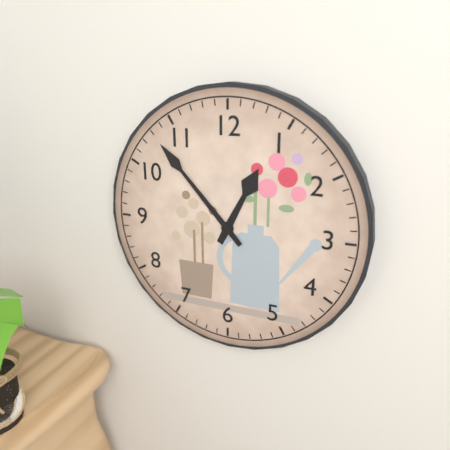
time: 12:53
